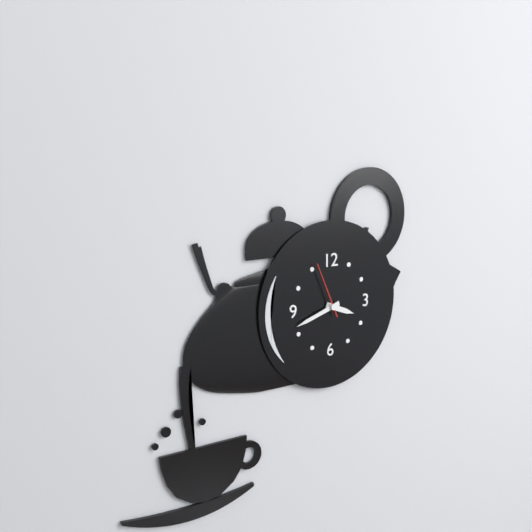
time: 3:42:56
